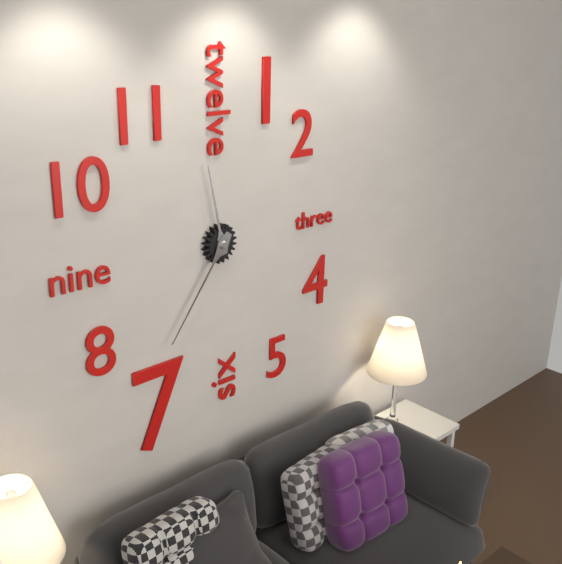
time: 11:36
